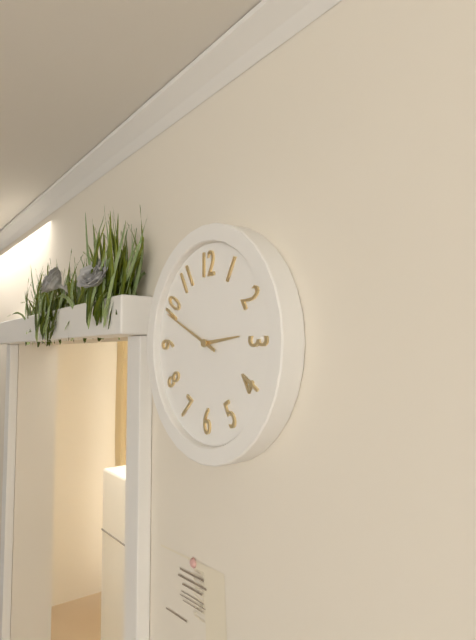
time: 2:49
